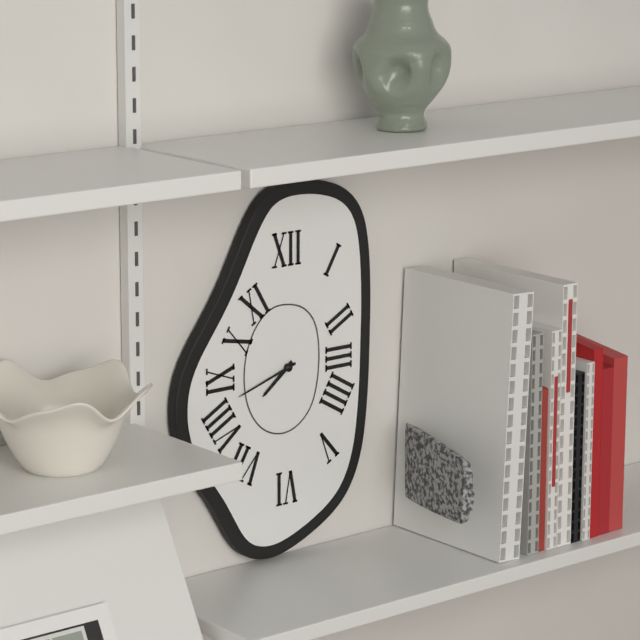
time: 7:42
